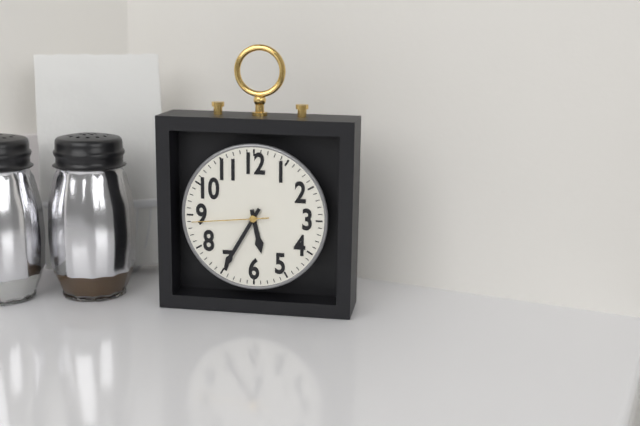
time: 5:35:44
